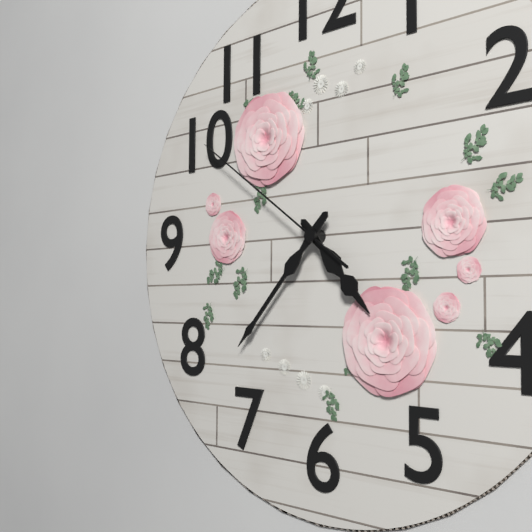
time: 4:37:51
